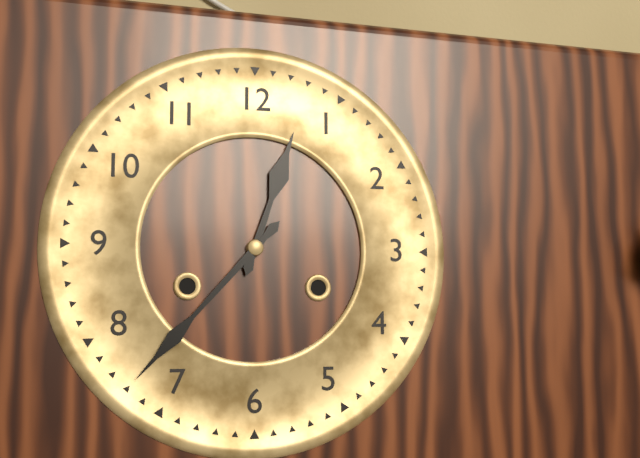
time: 12:37
